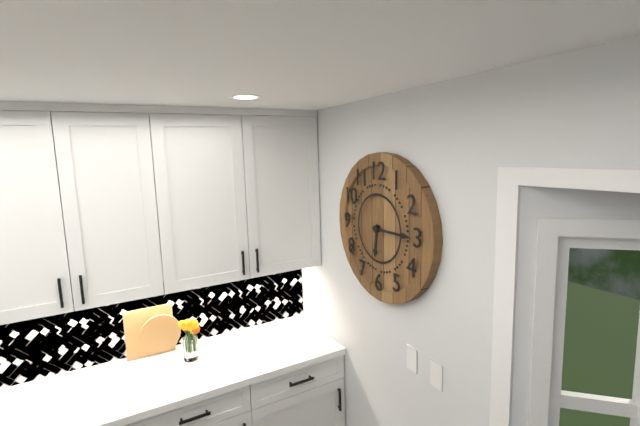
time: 6:15
